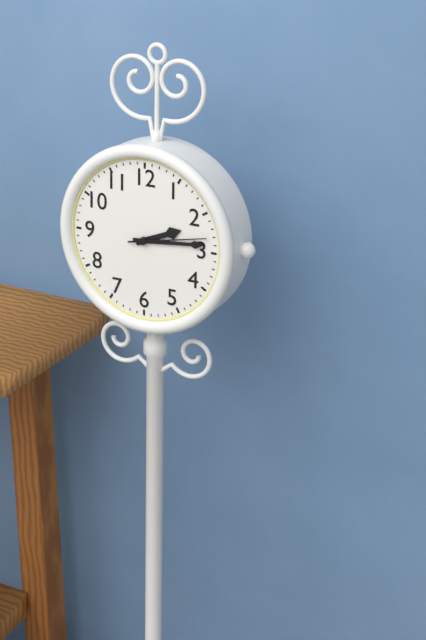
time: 2:14:13
